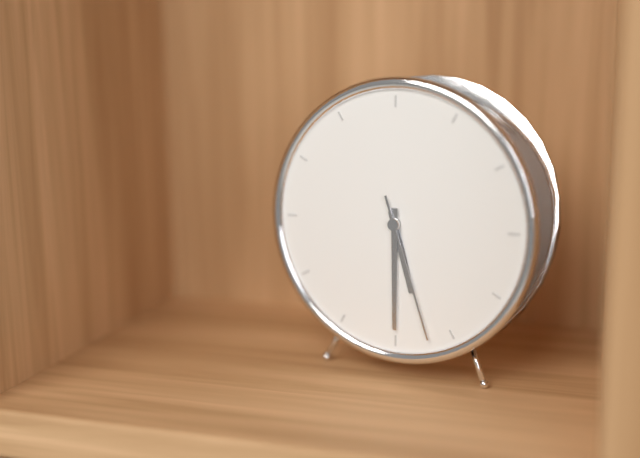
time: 5:30:27
